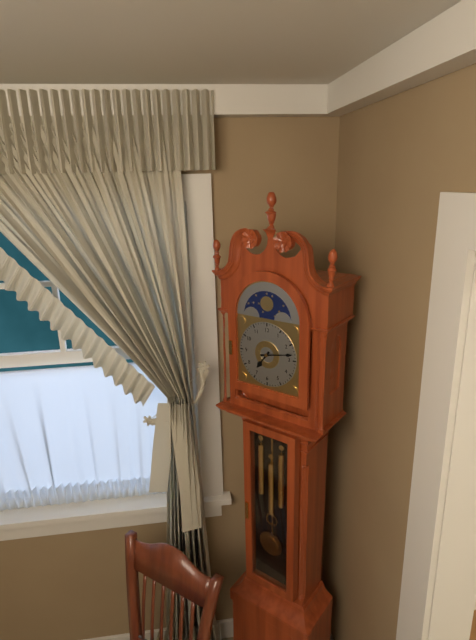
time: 7:13
